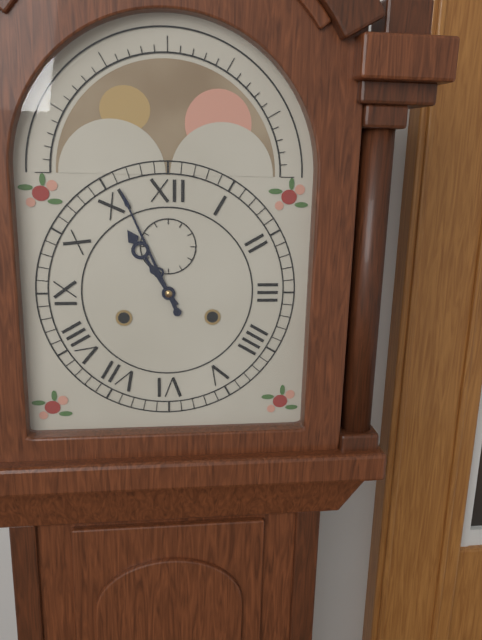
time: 10:56
